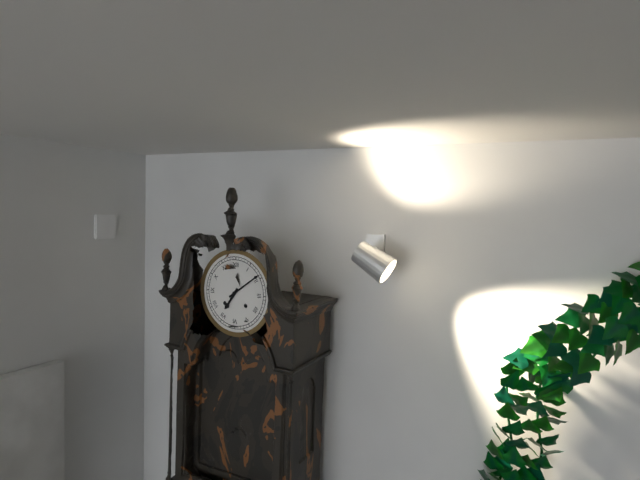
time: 7:09
